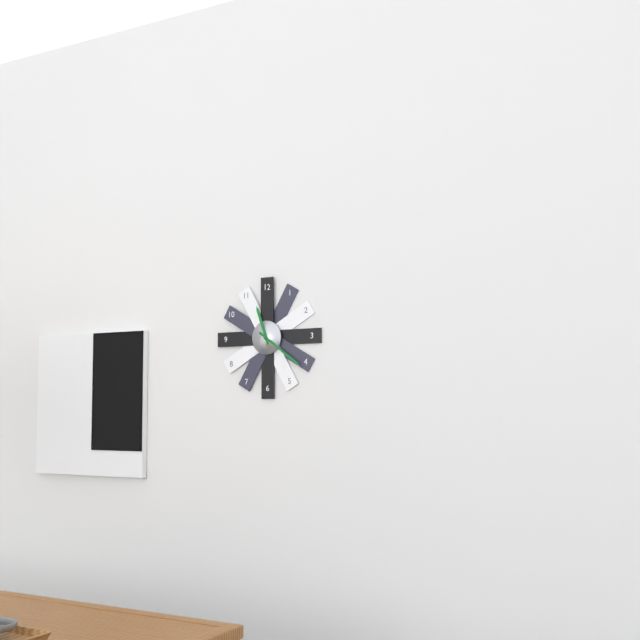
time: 11:21
